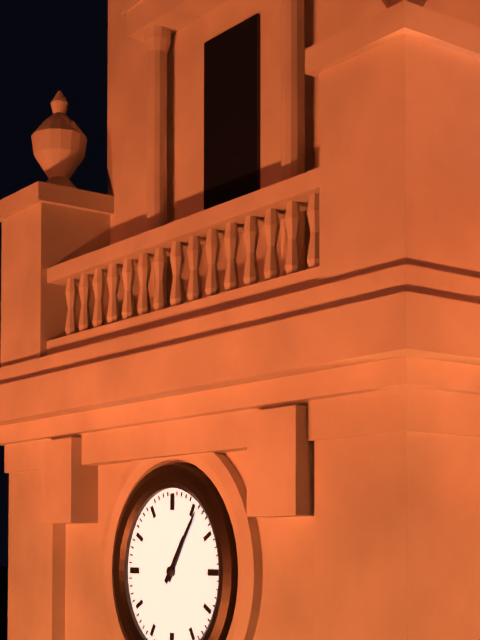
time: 1:06
